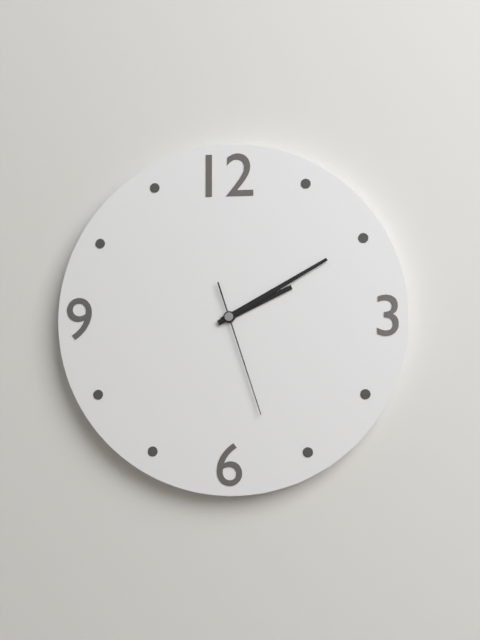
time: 2:10:27
